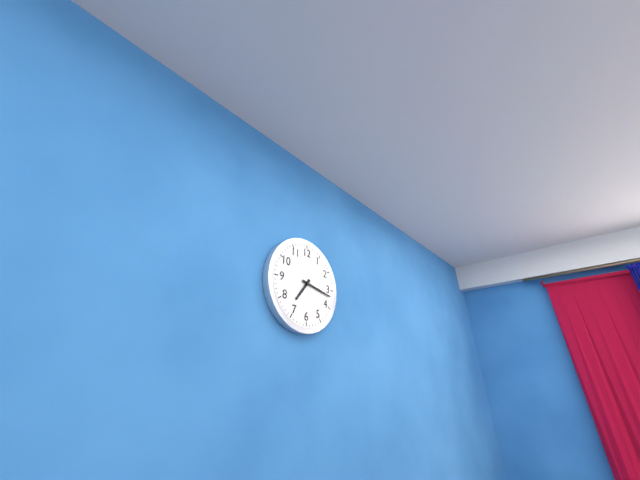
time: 7:17
